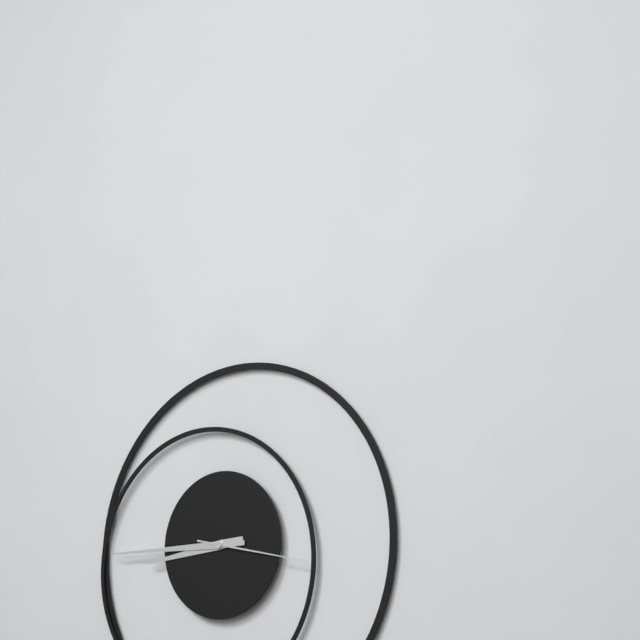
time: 8:45:17
